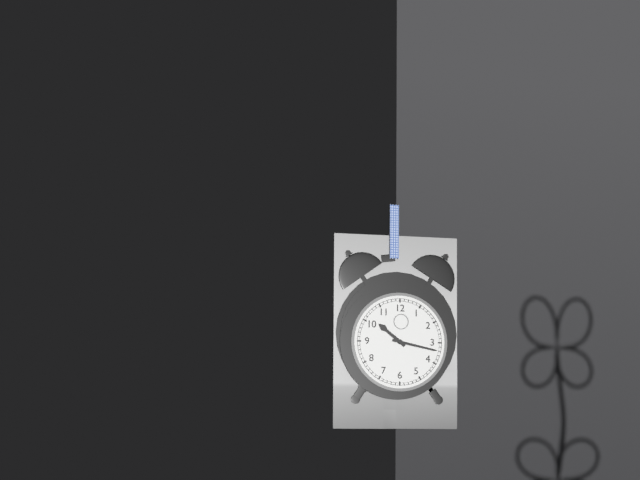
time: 10:17
